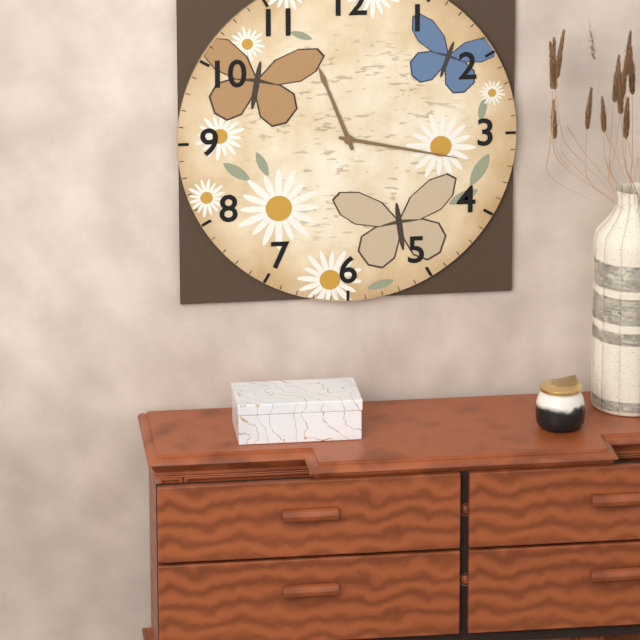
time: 11:17
